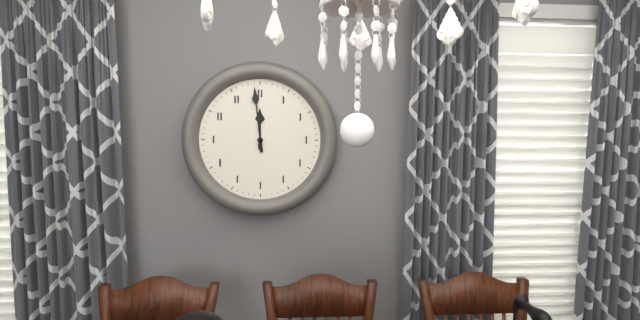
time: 11:59
